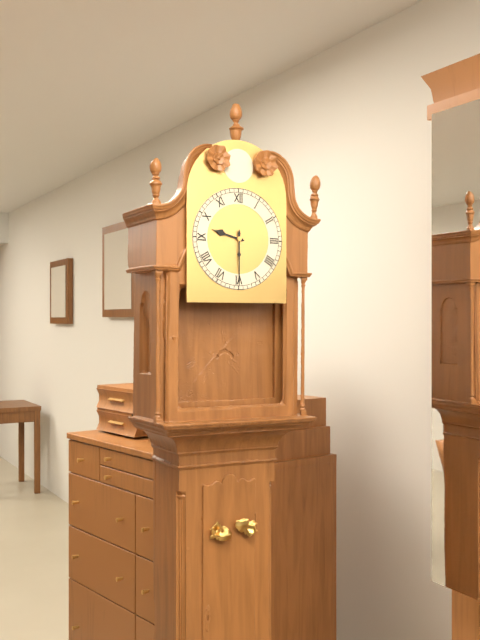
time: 9:30
